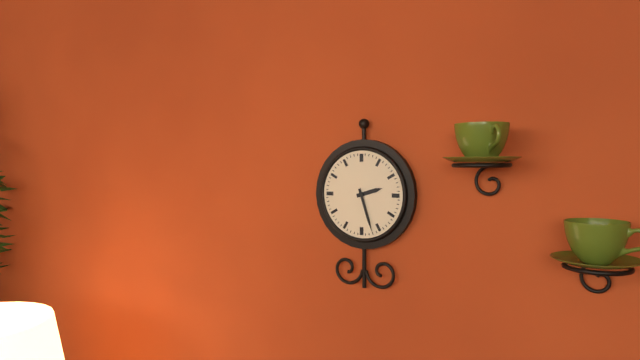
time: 2:27
